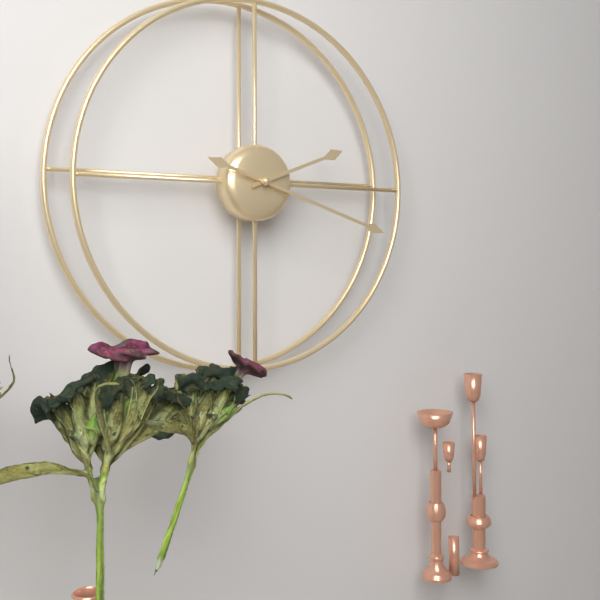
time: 2:18
